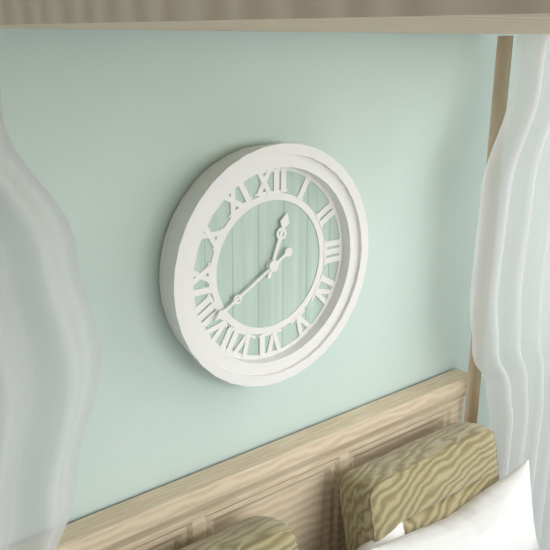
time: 12:40
